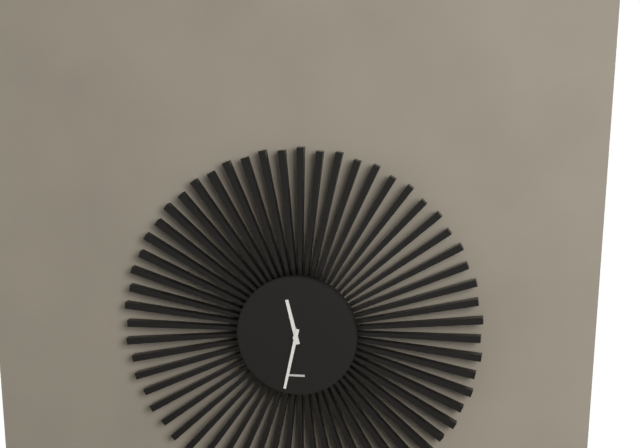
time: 11:32
